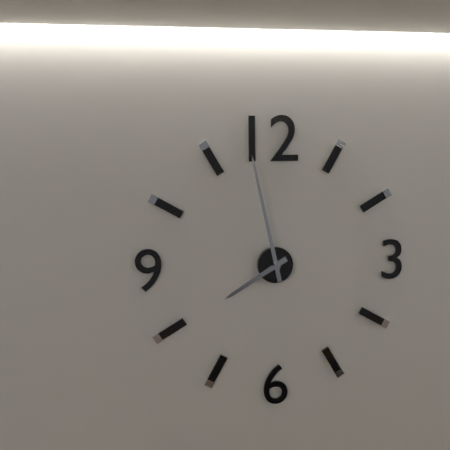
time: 7:58
